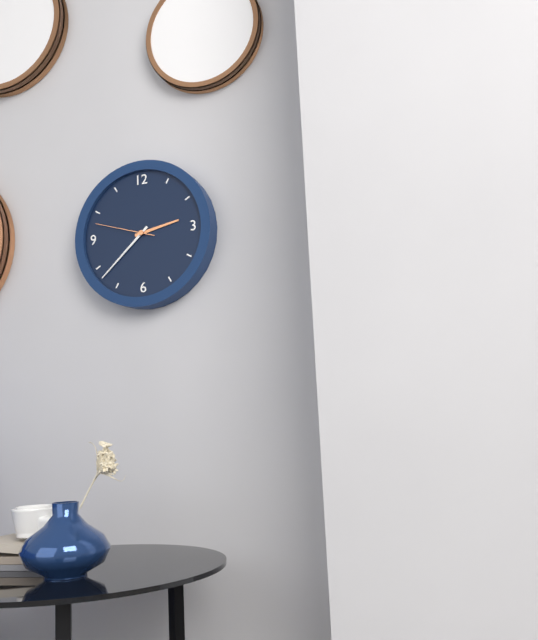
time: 2:38:48
